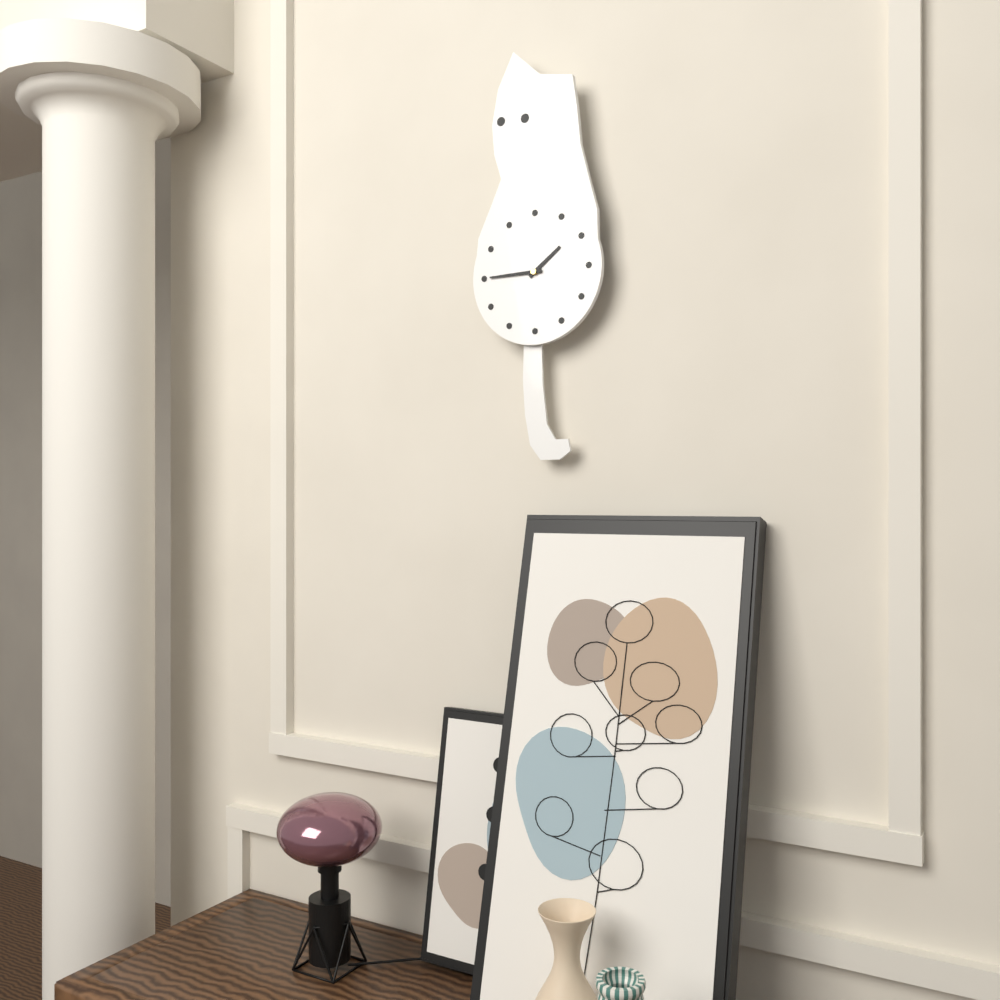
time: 1:45
